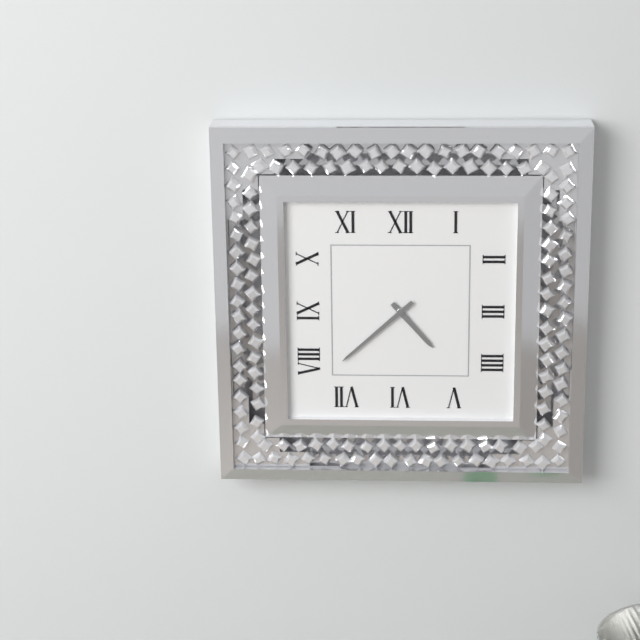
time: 4:38
